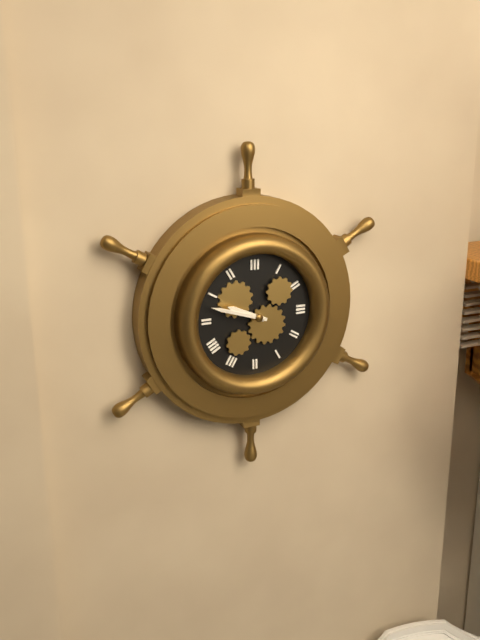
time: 9:48
